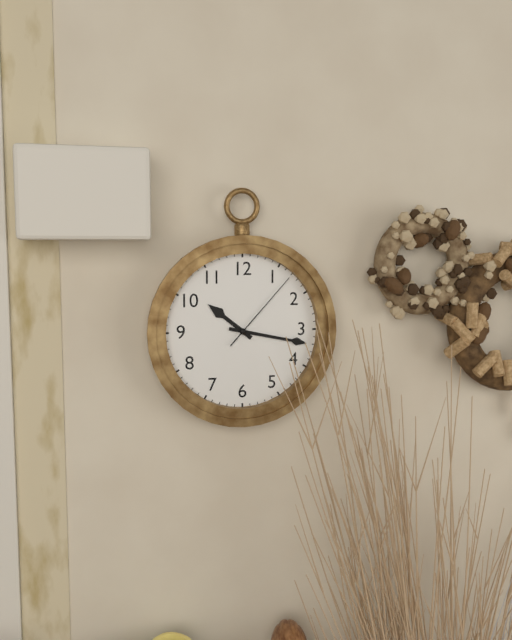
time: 10:17:07
